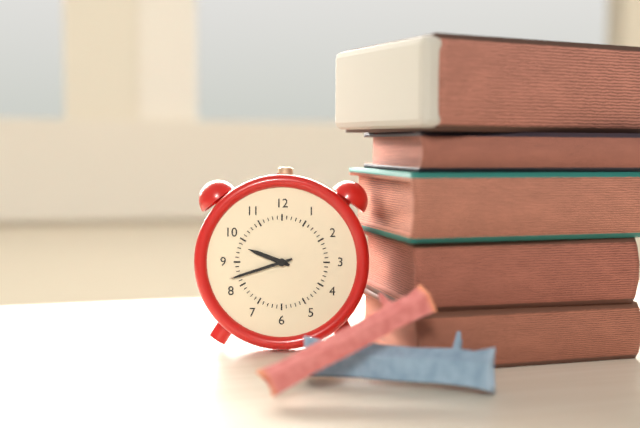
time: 9:42
